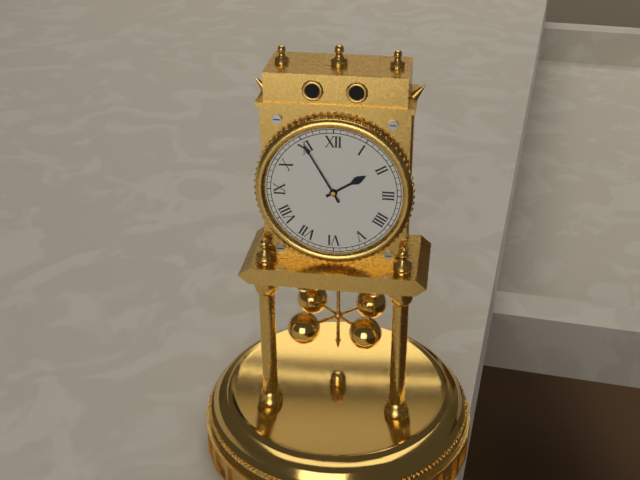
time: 1:55
